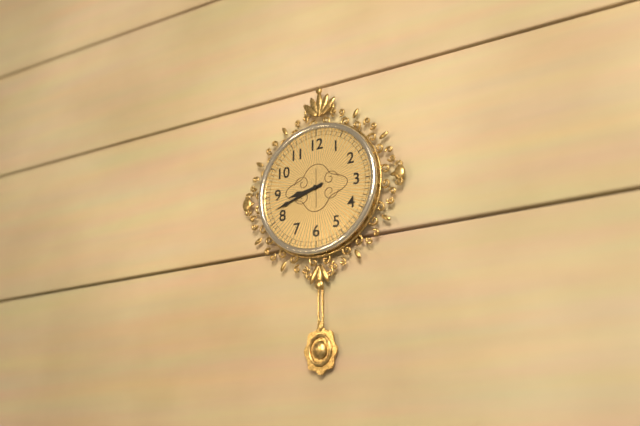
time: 8:42
